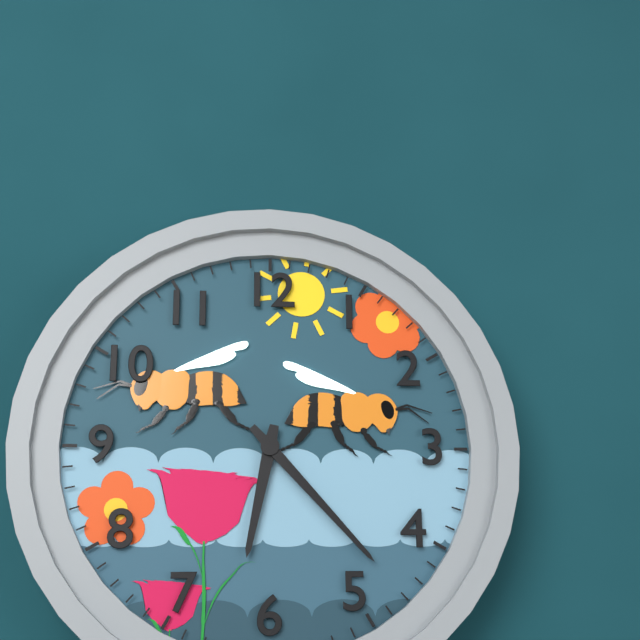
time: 6:23
